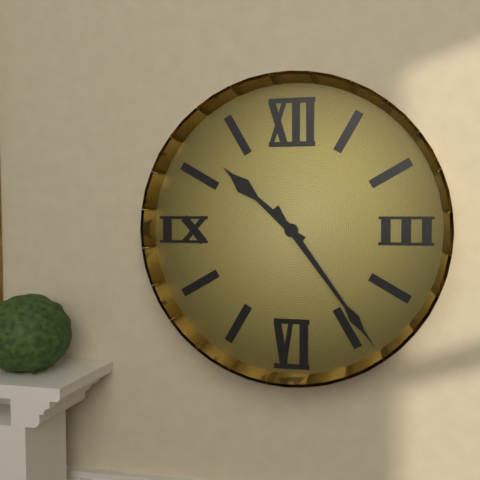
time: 10:24
